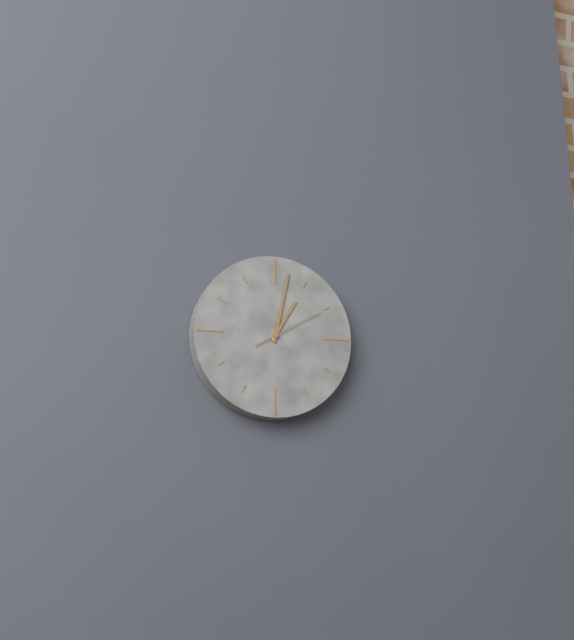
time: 1:02:10
